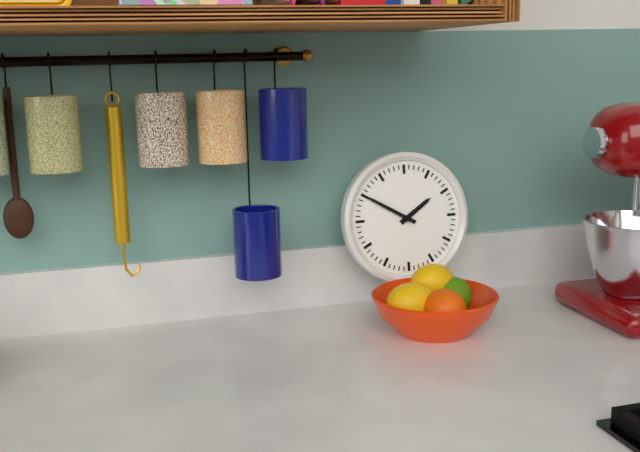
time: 1:50
